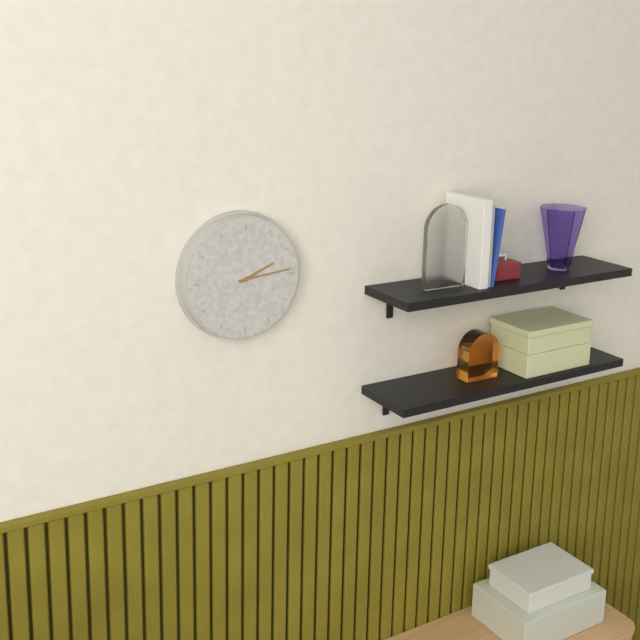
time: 2:14
